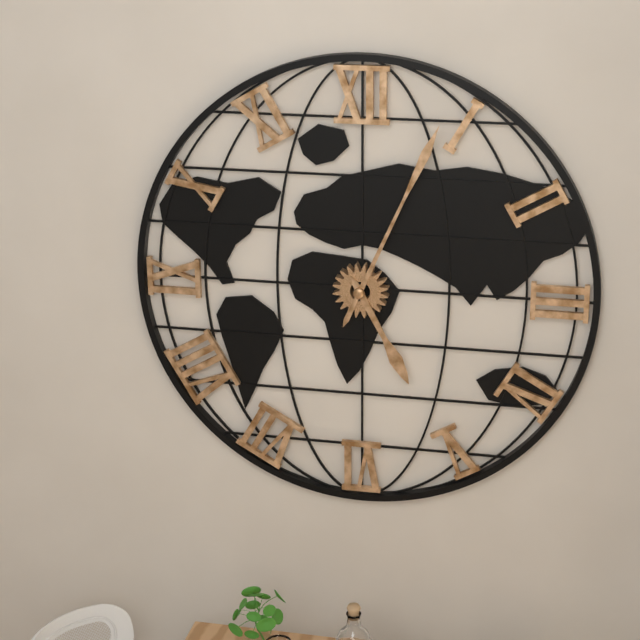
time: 5:04
